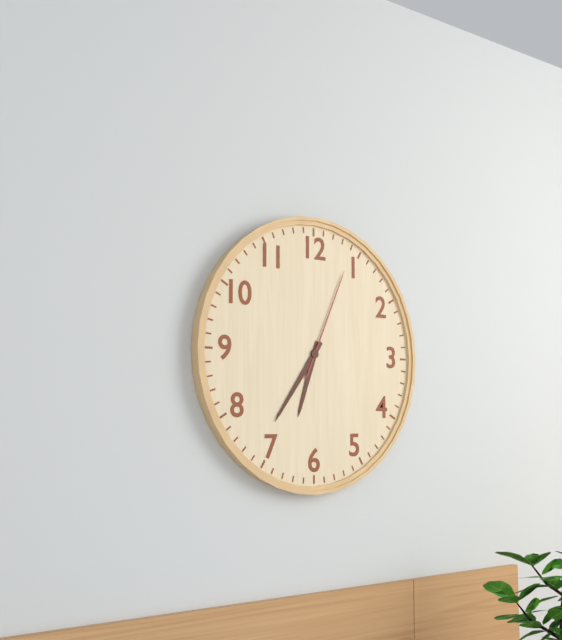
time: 6:36:04
